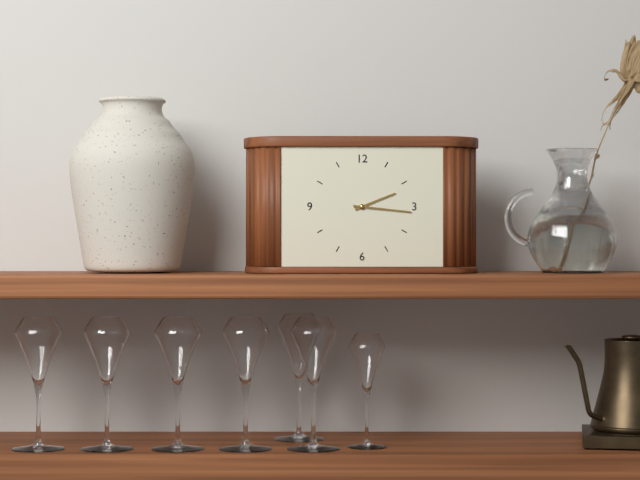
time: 2:16
